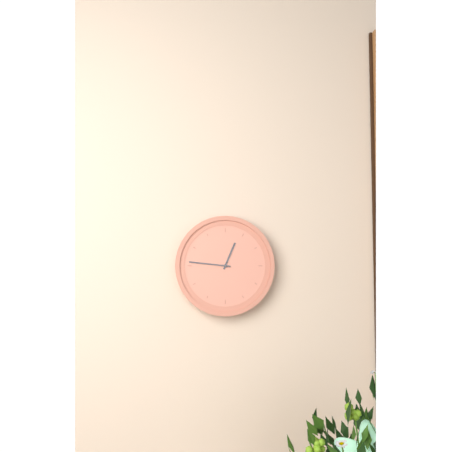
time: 12:46
